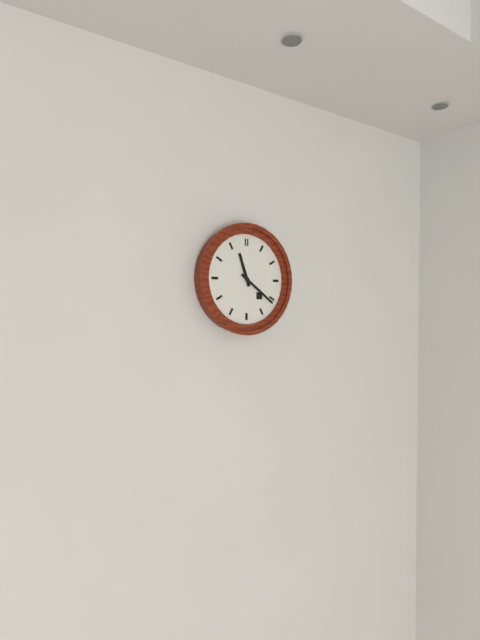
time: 11:21
